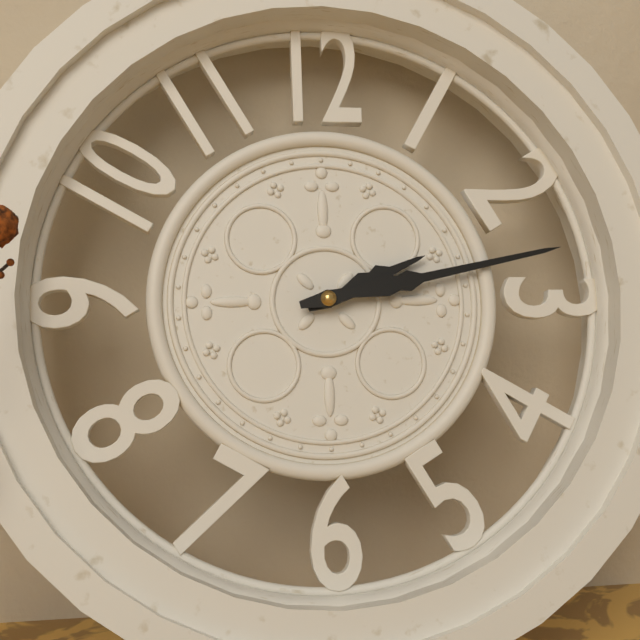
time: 2:13
